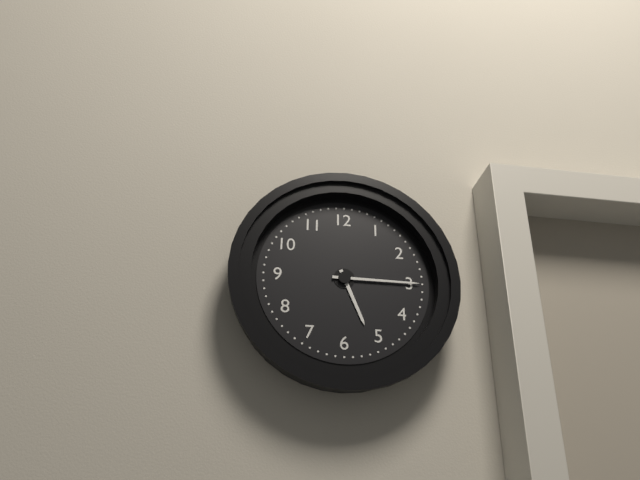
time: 5:15
